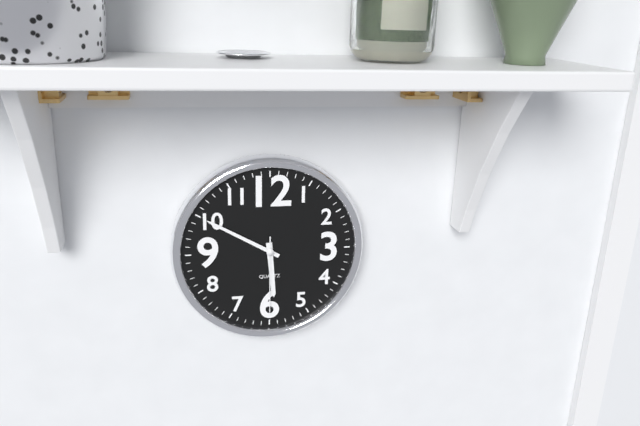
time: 5:50:30
